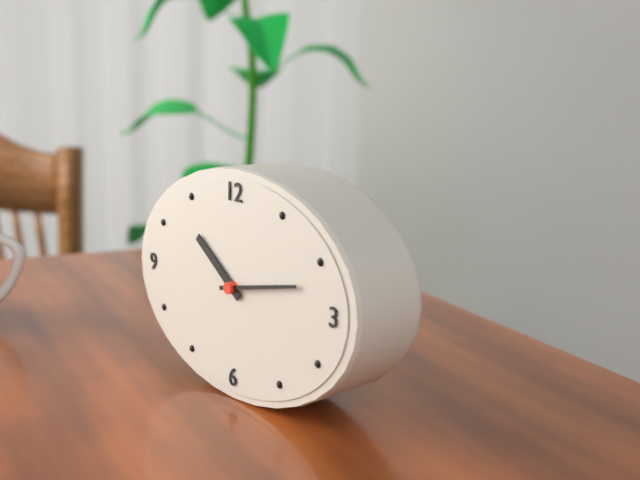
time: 10:13
